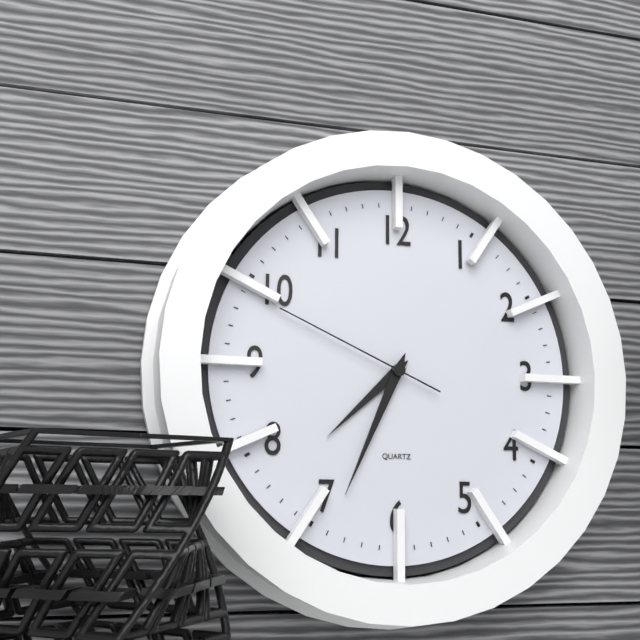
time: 7:34:49
